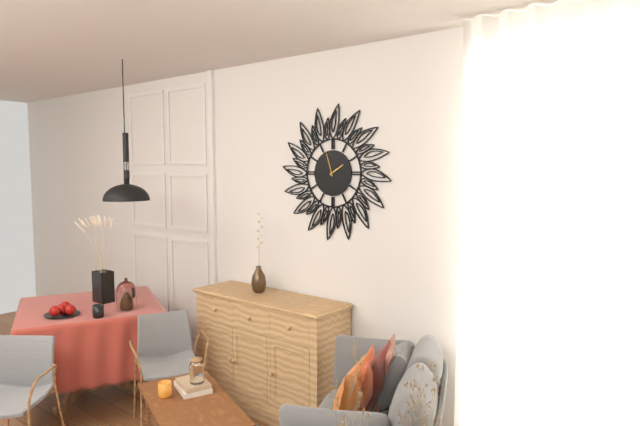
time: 1:57
